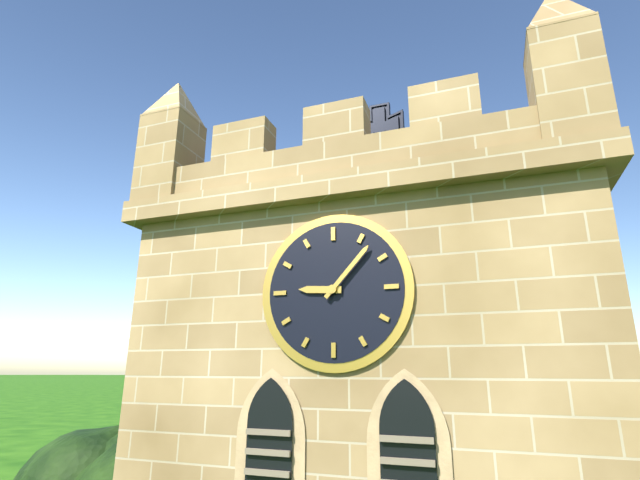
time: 9:07
